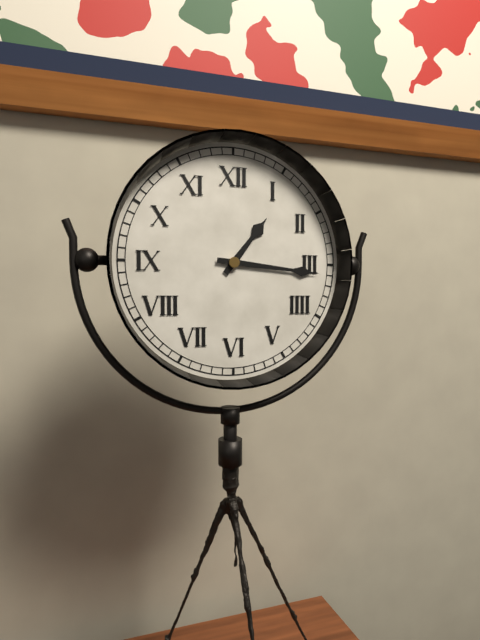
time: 1:16
